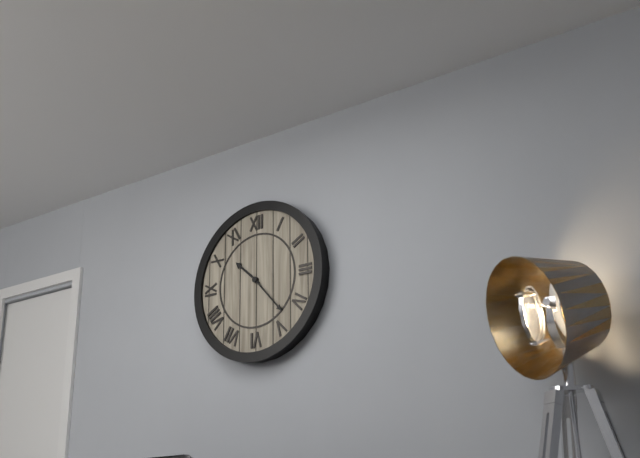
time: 10:23
